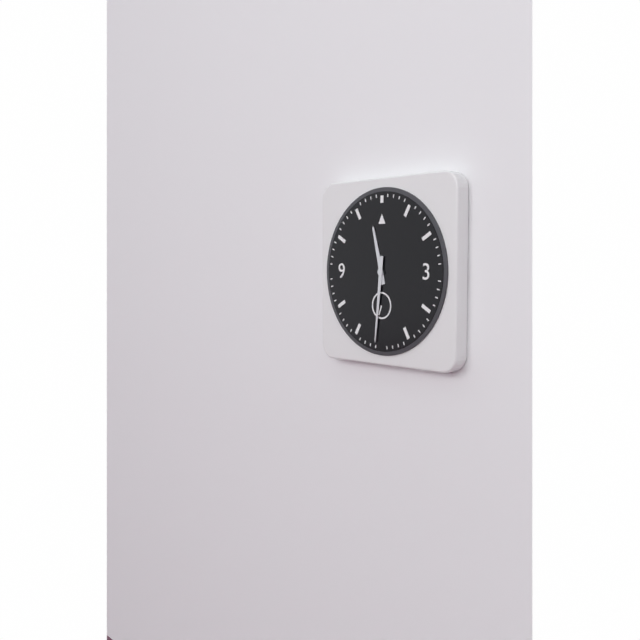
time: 11:31
